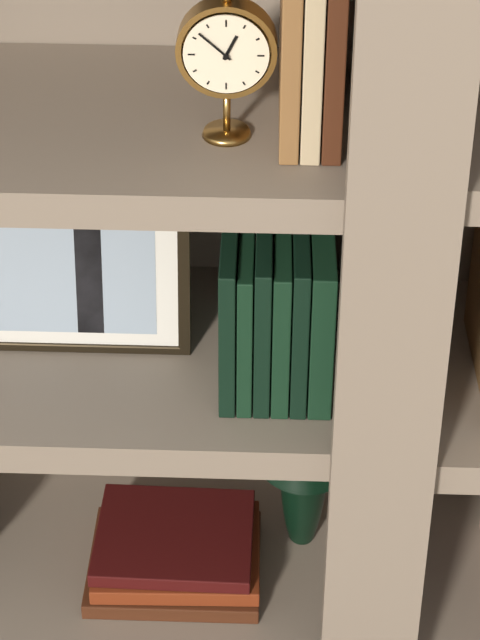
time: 12:52
